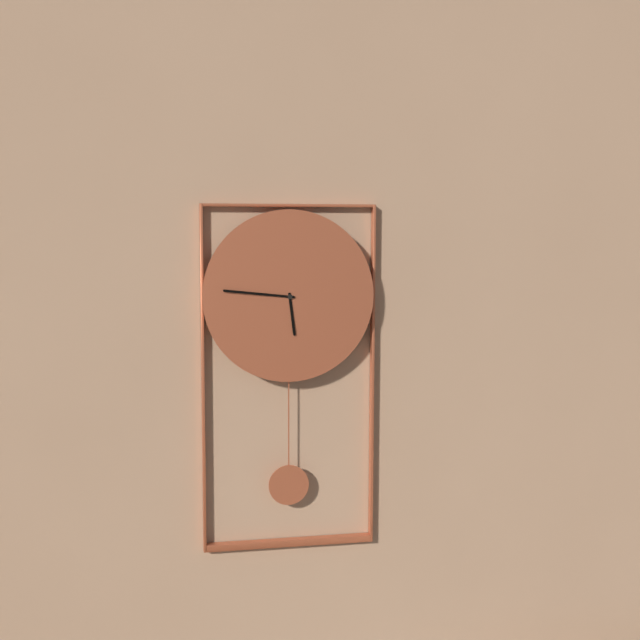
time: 5:46
